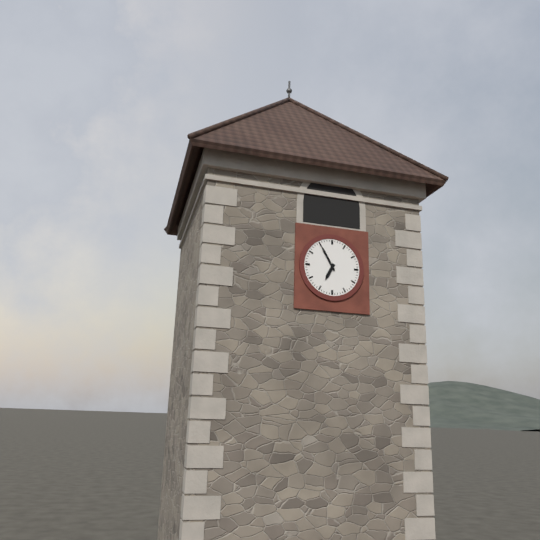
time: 6:55
